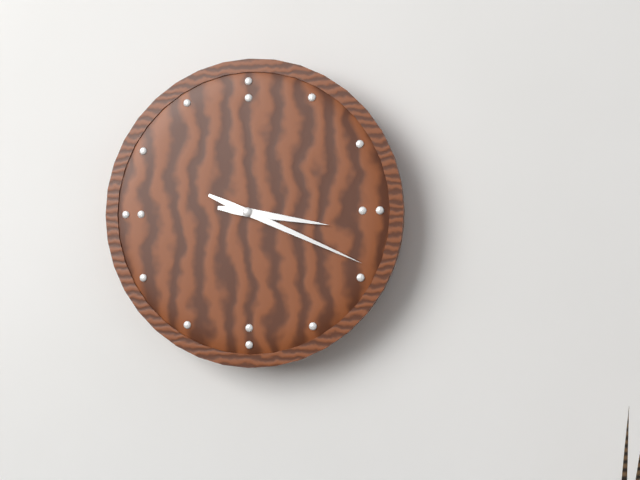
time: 3:19
